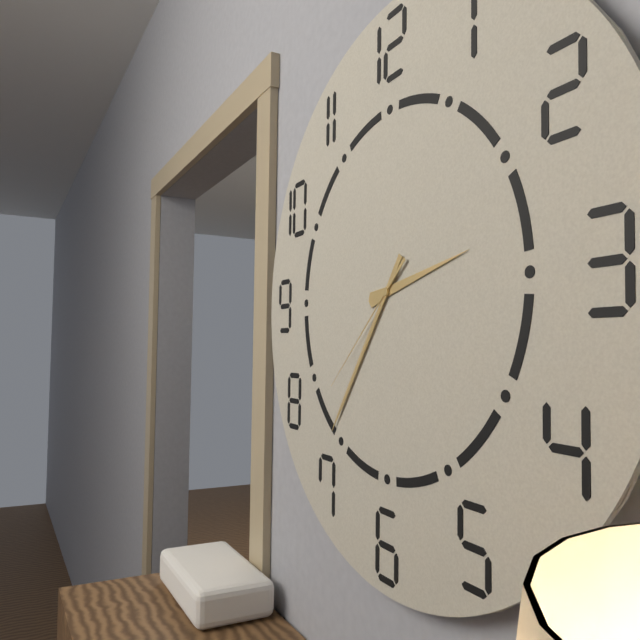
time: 2:36:38
